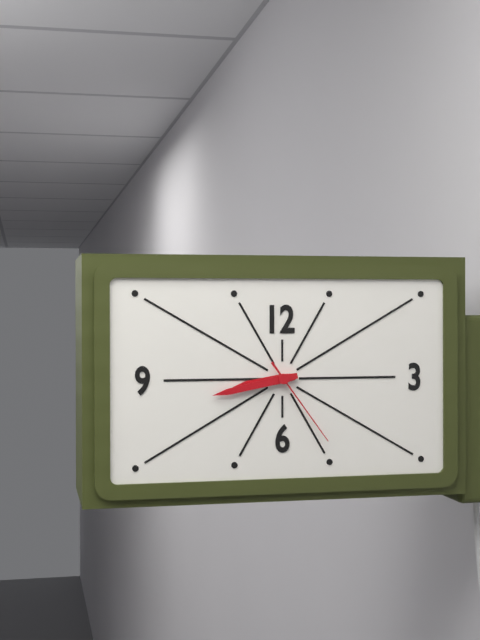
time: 8:43:24
